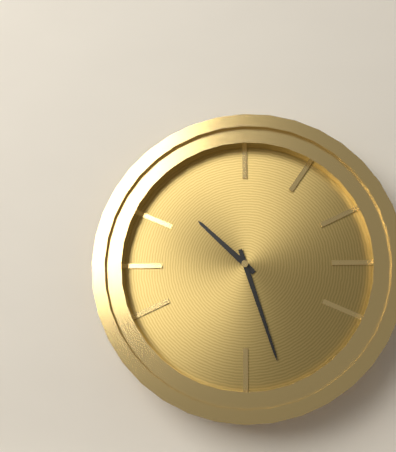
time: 10:27
